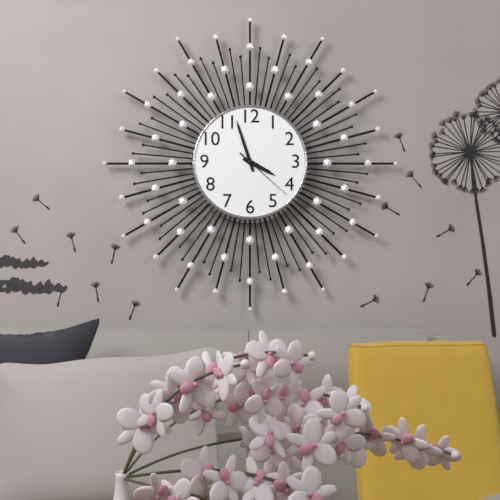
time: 3:57:22
